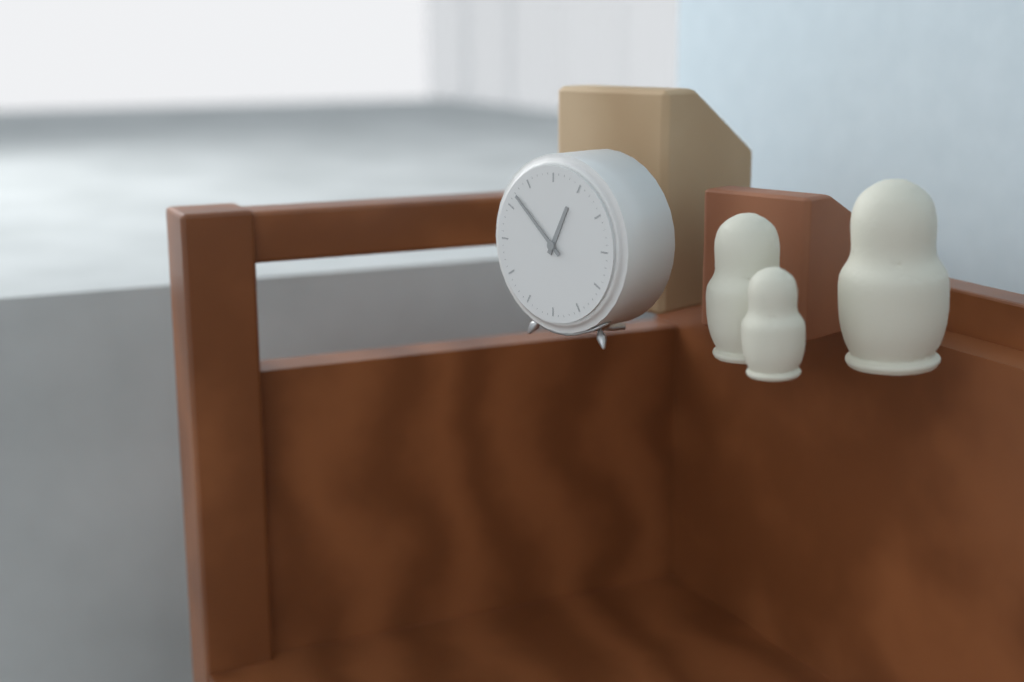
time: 12:52
